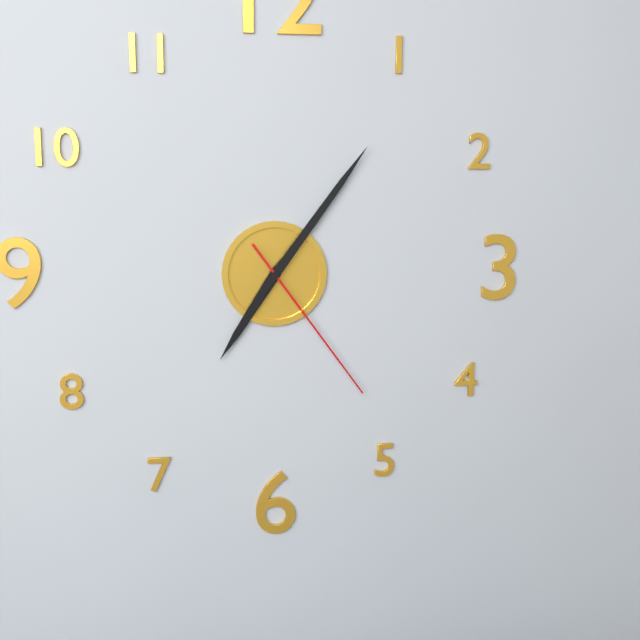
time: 7:06:24
